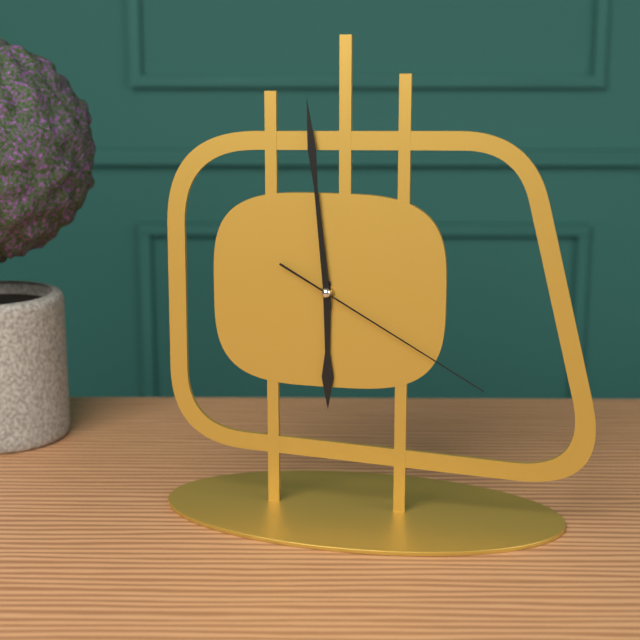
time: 5:59:20
